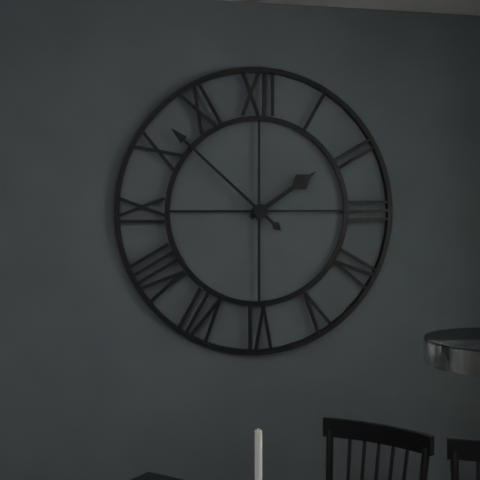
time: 1:52
